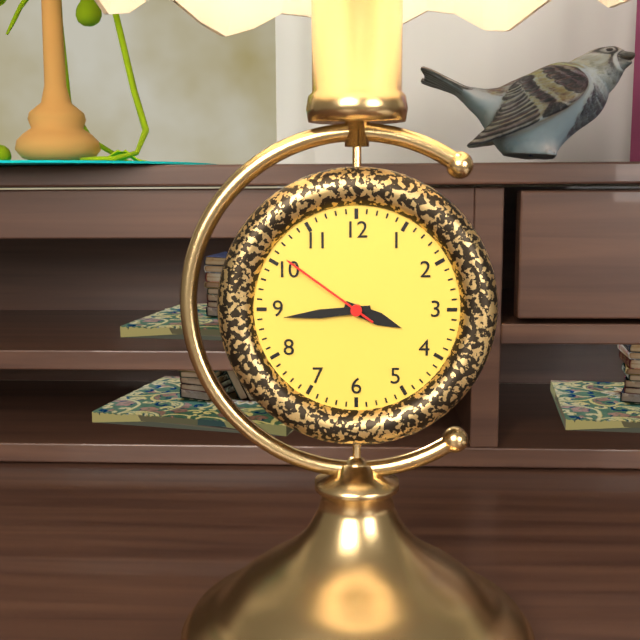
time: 3:44:51
